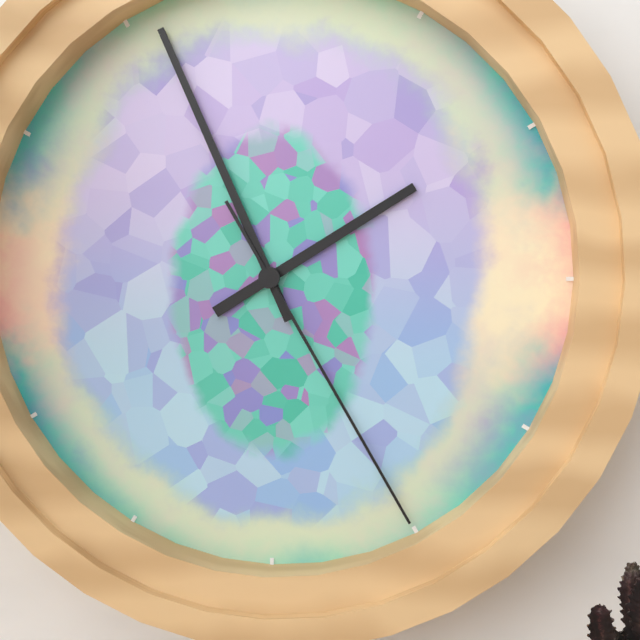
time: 1:56:25
